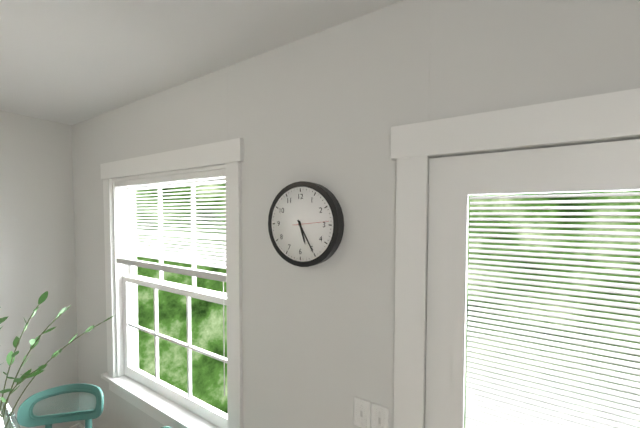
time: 5:25
